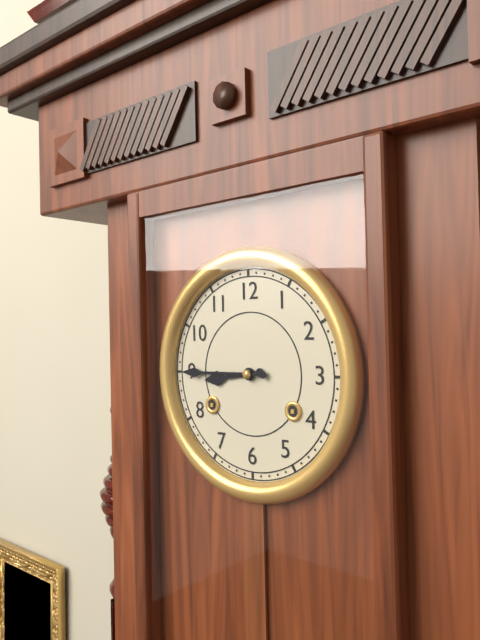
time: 8:45
